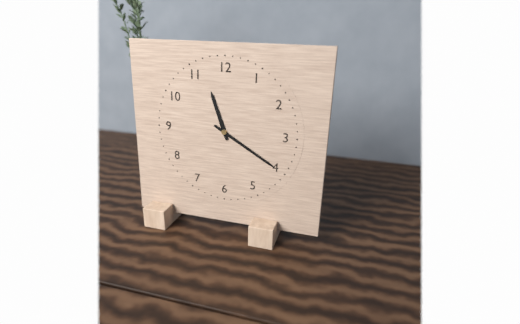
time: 11:20
